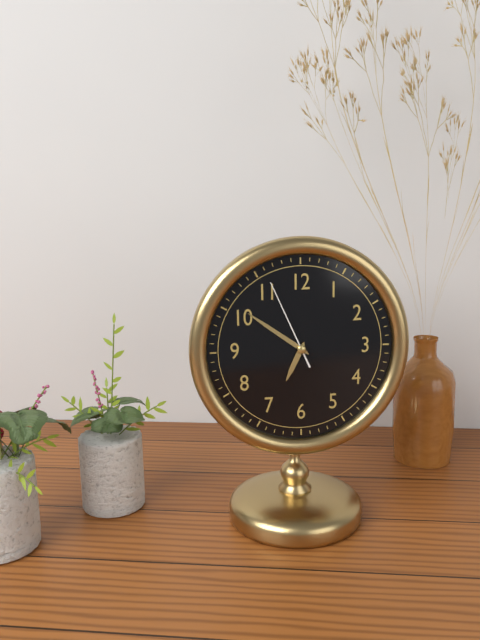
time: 6:51:56
